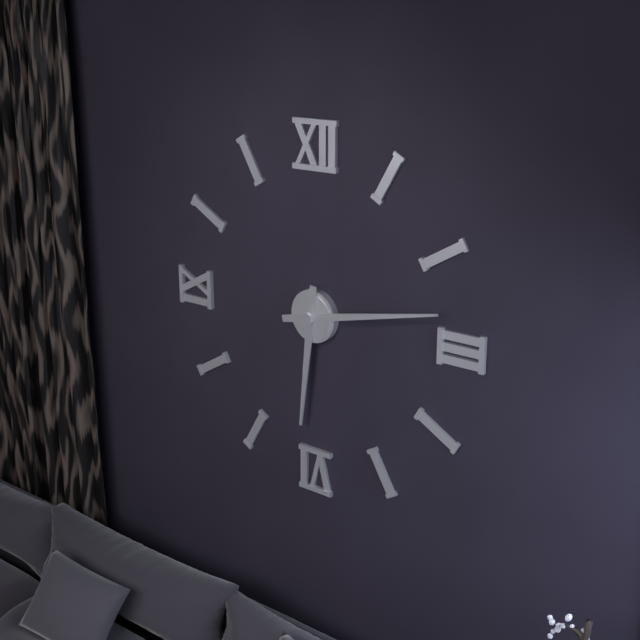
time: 6:13
